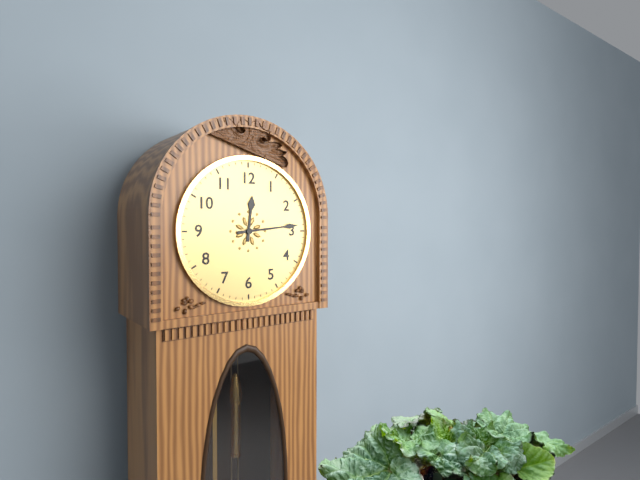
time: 12:14
